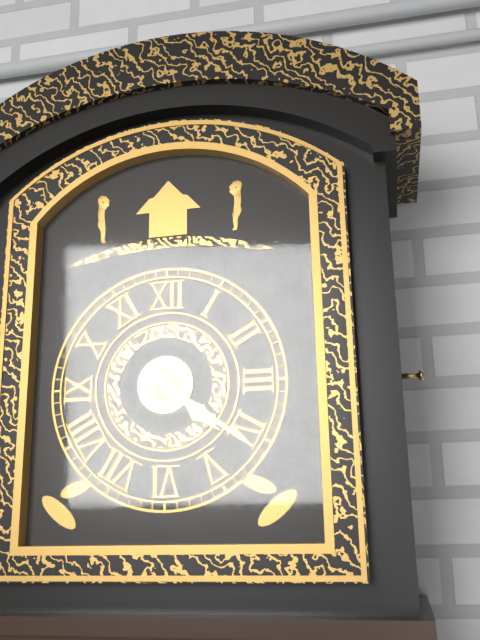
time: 4:21
